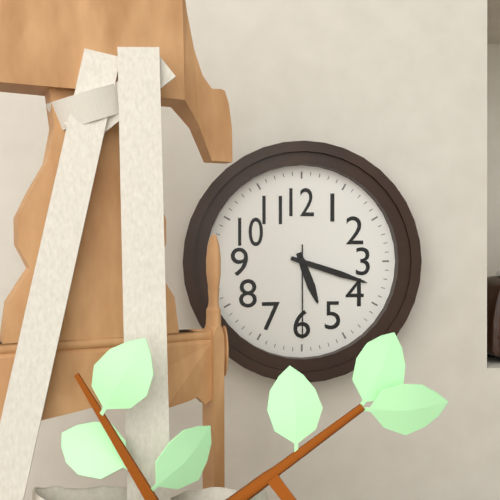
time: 5:18:30
